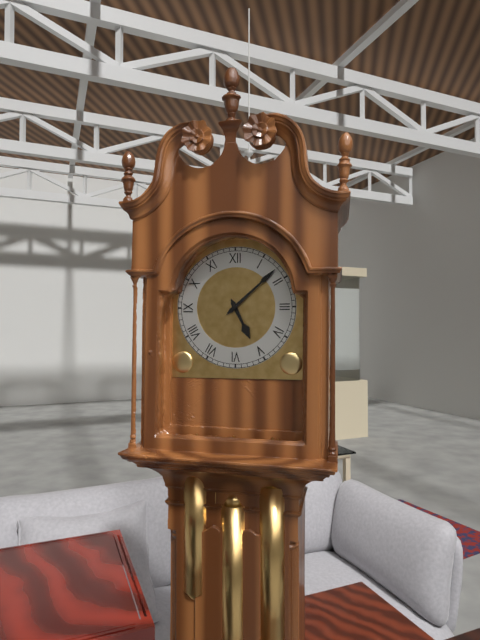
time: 5:08
